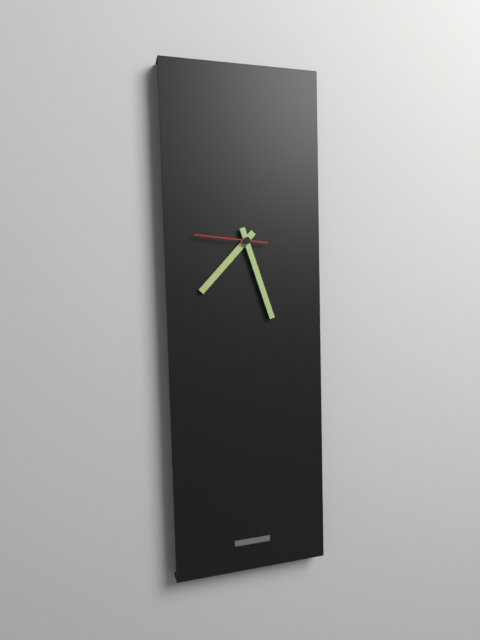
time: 7:27:46
